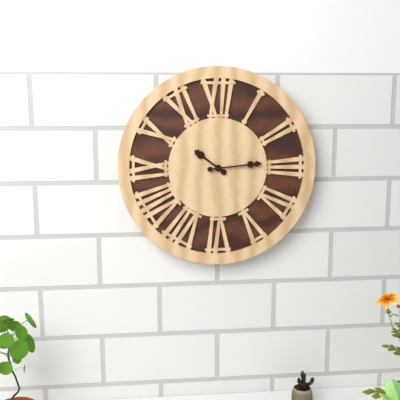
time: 10:14
